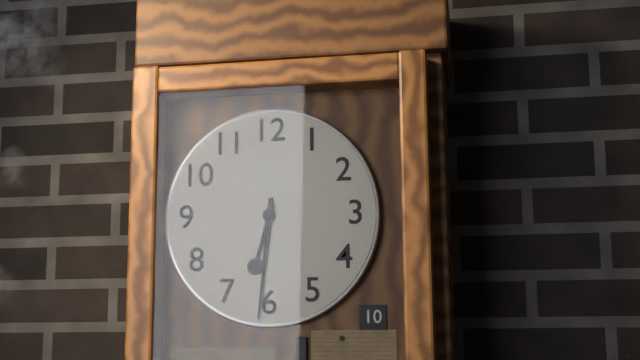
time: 6:31
